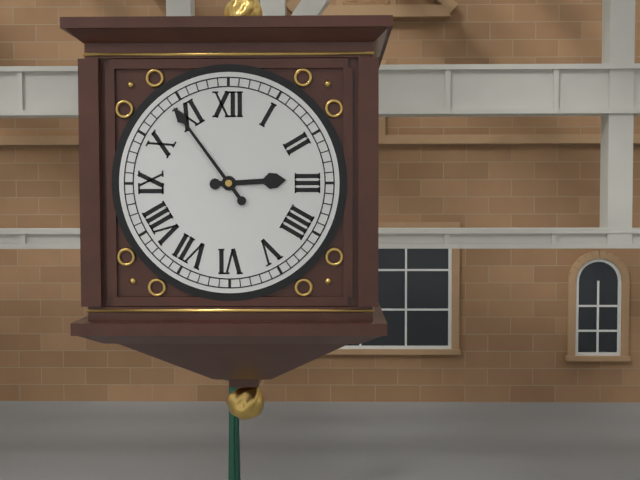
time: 2:54
